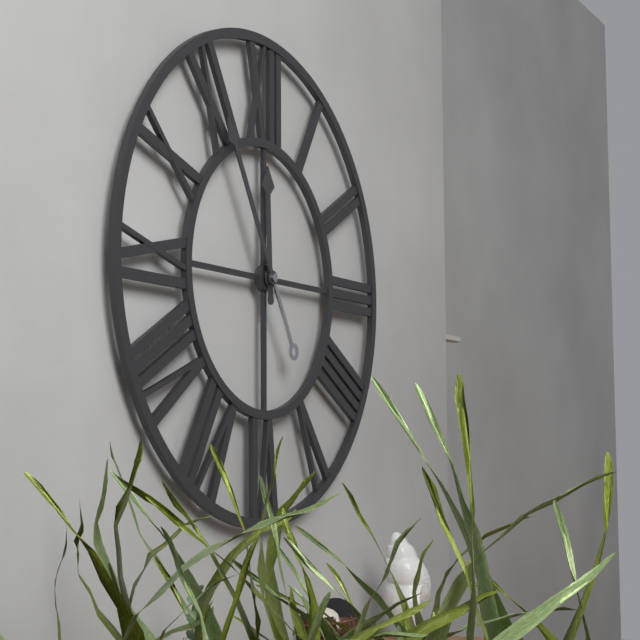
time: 11:55
